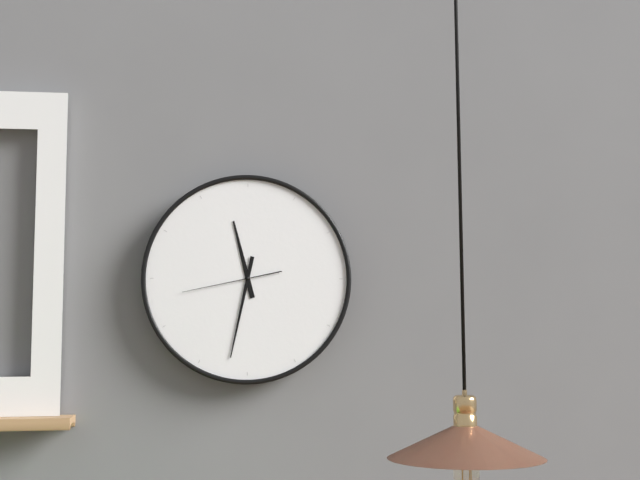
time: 11:32:43
